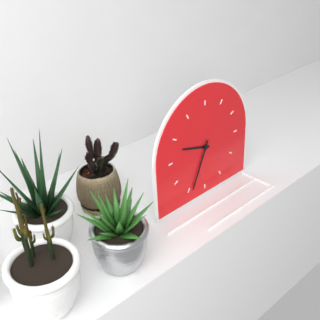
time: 9:34
